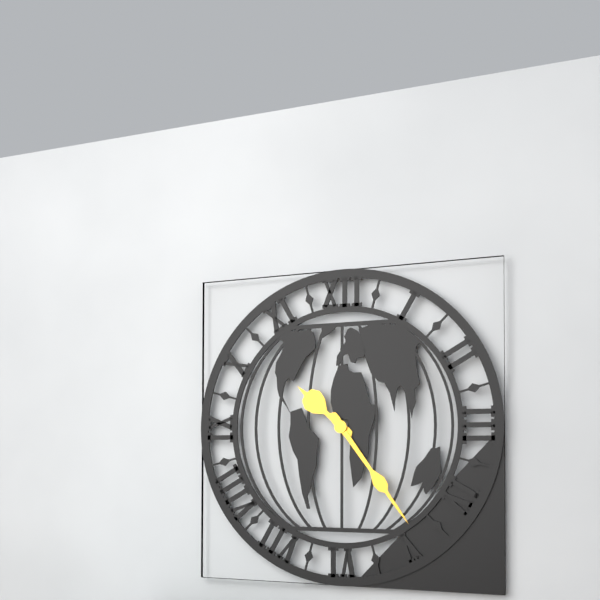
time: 10:24
